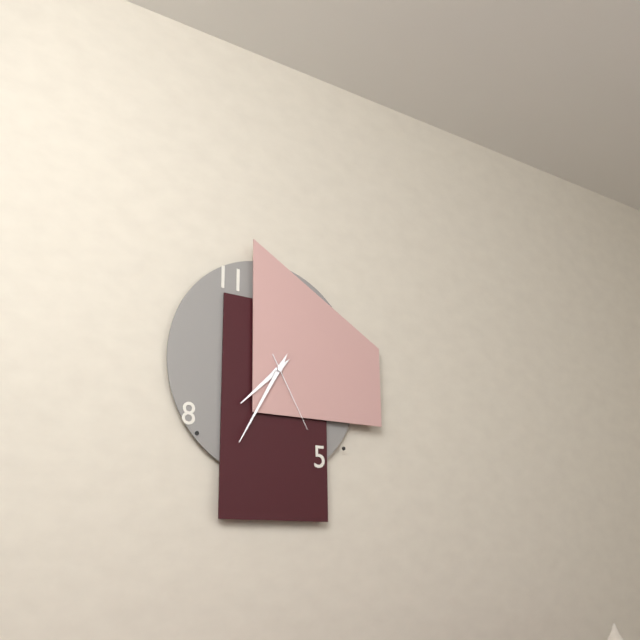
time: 7:35:25
